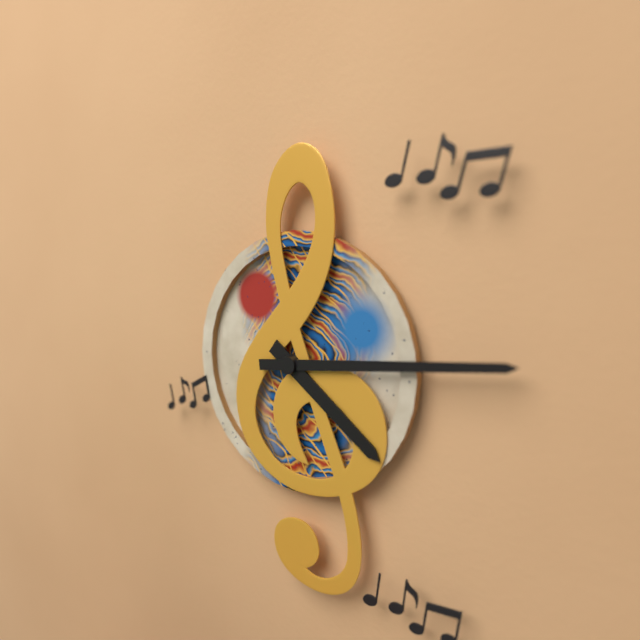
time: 4:14
